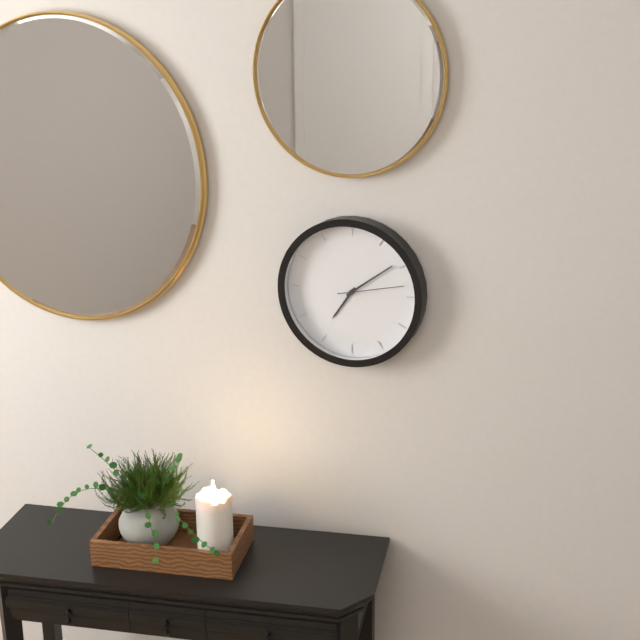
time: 7:09:13
